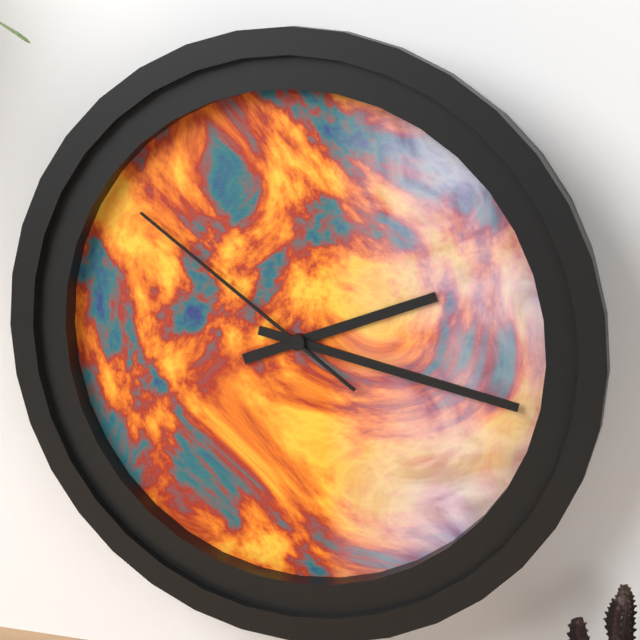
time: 2:17:51
